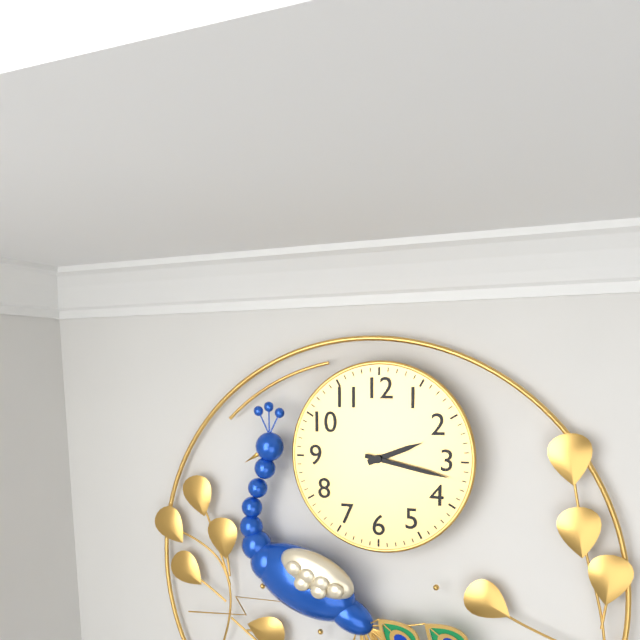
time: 2:17
